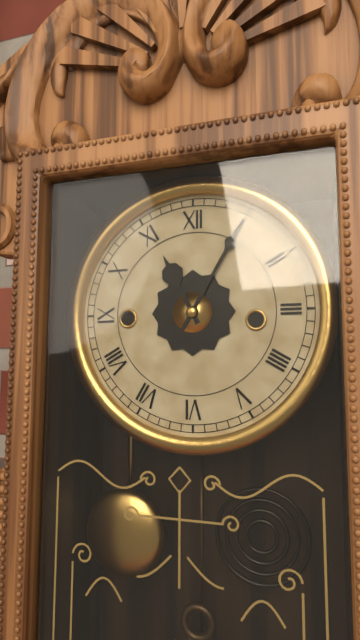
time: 11:05
